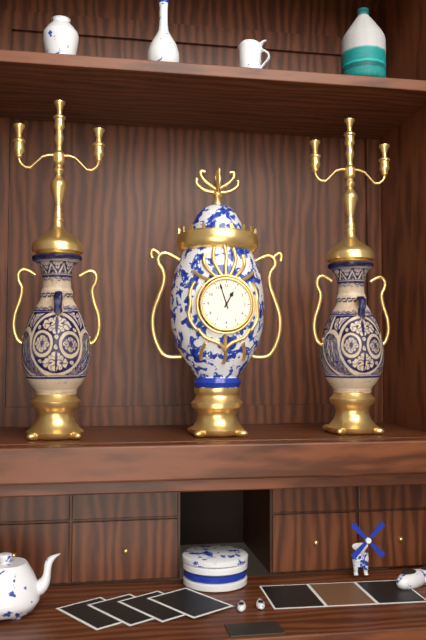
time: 12:57
